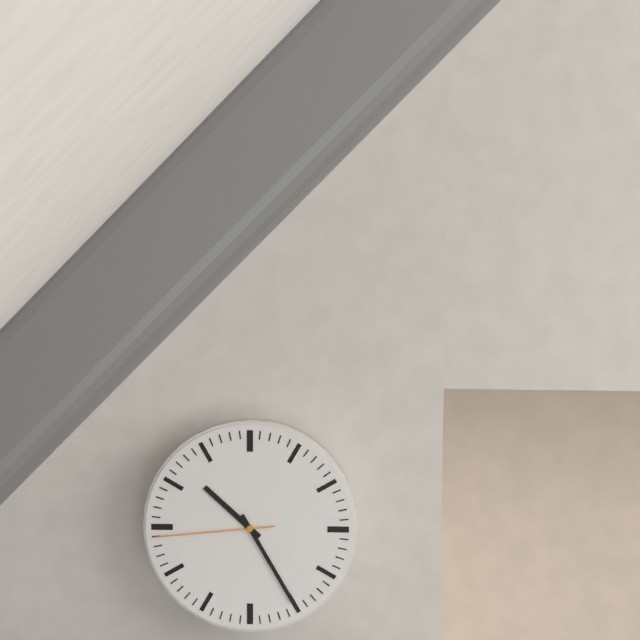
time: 10:25:44
